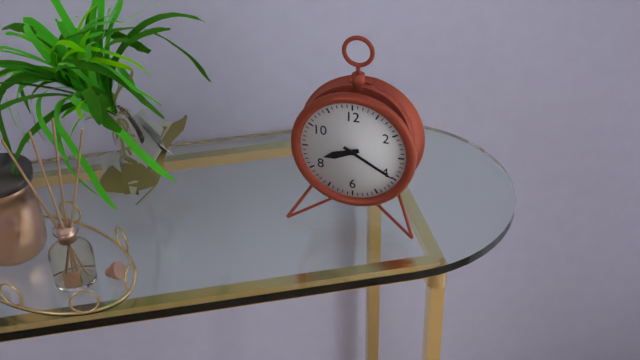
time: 8:20
